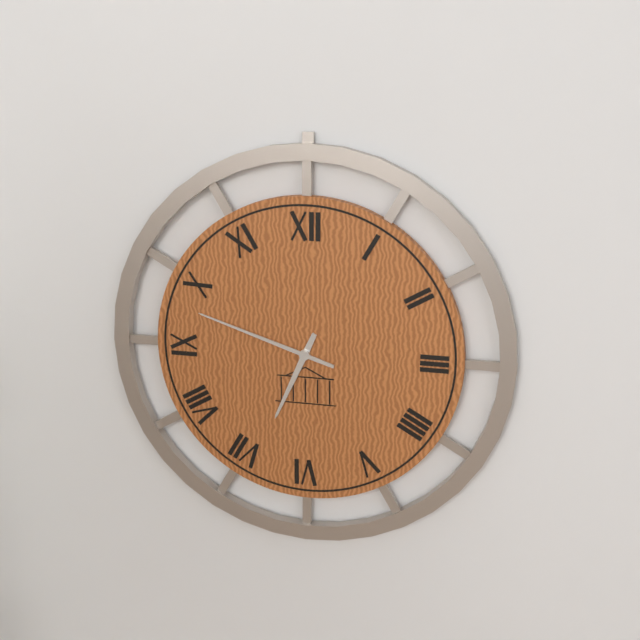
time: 6:48
